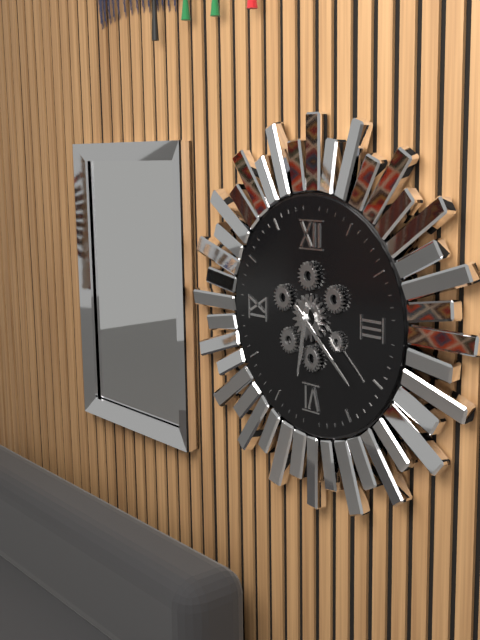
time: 6:22
